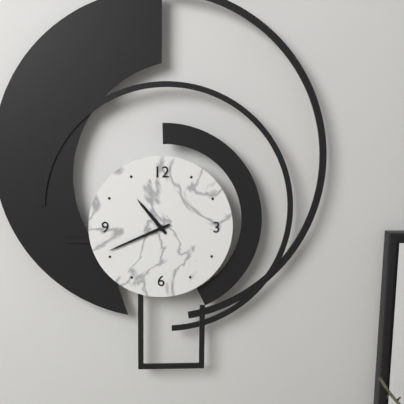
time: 10:41
